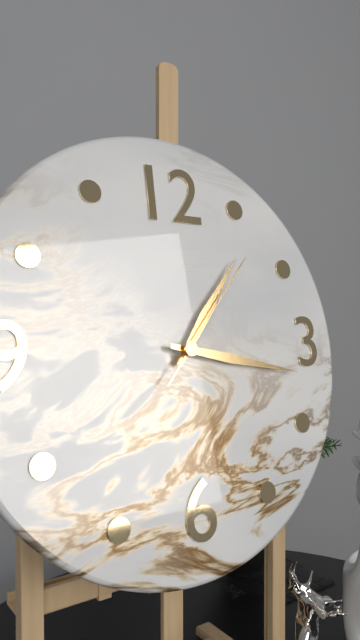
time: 1:17:07
